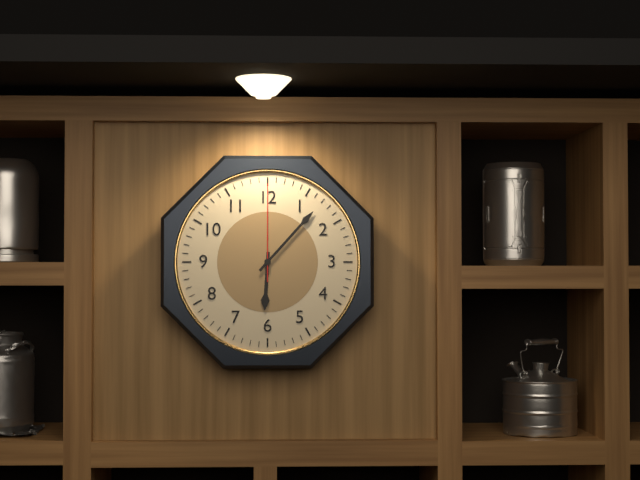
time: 6:07:00
